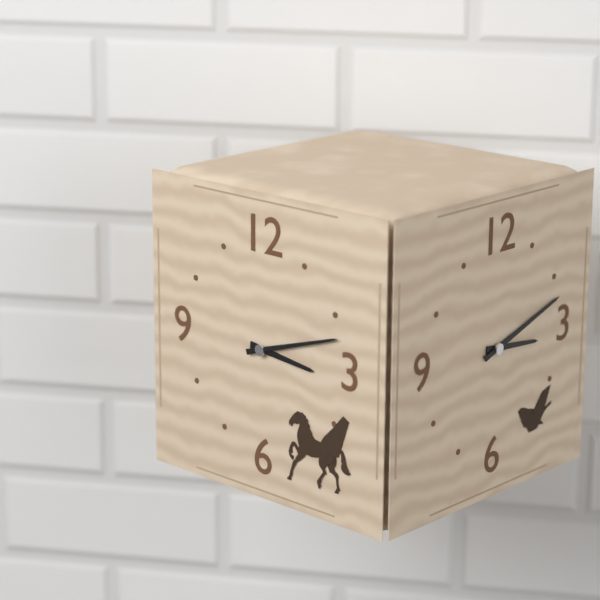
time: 3:12
